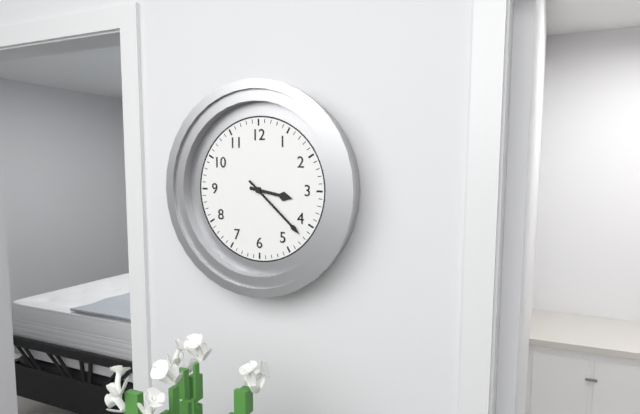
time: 3:22
